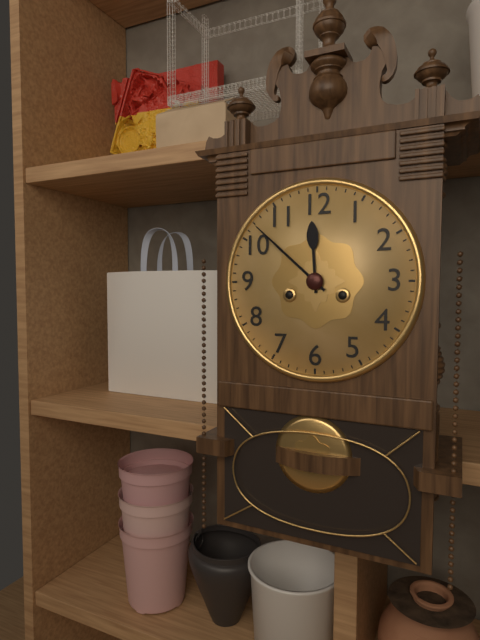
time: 11:52
